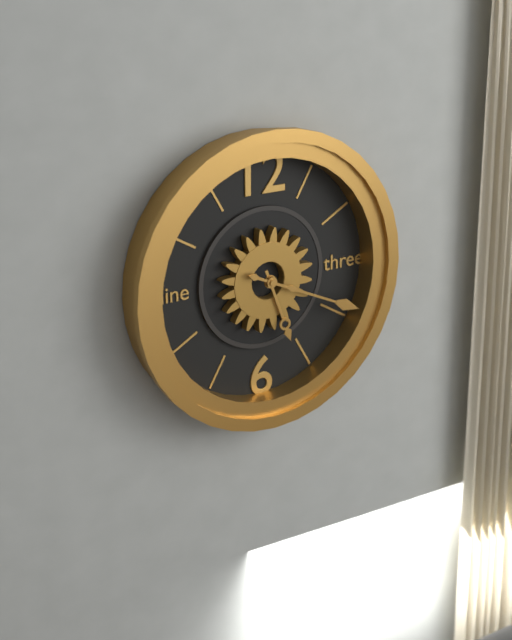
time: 5:19
